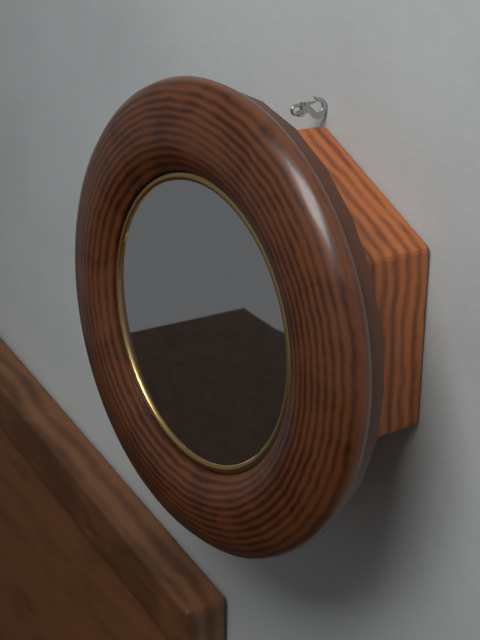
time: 4:22
